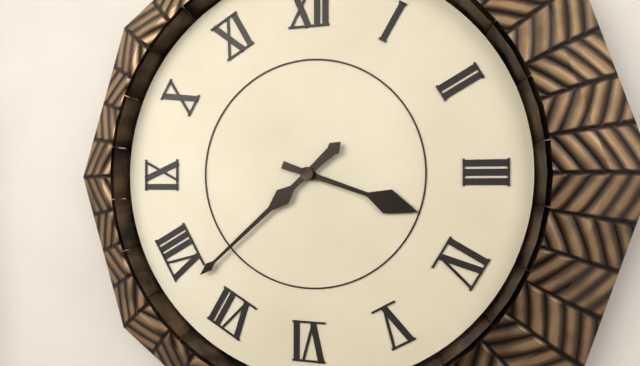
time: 3:38
